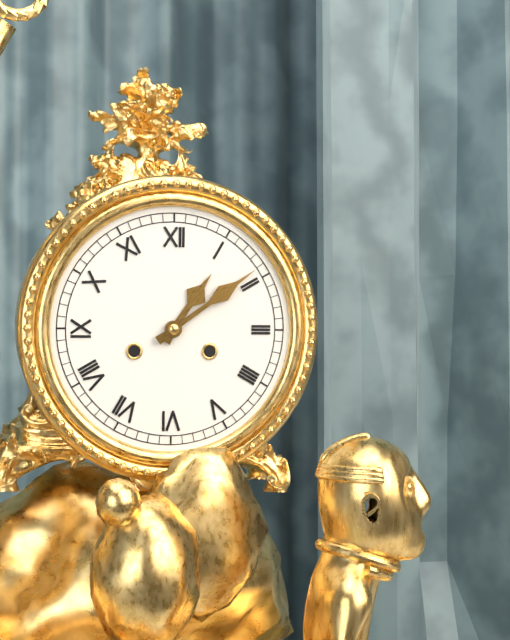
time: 1:09
